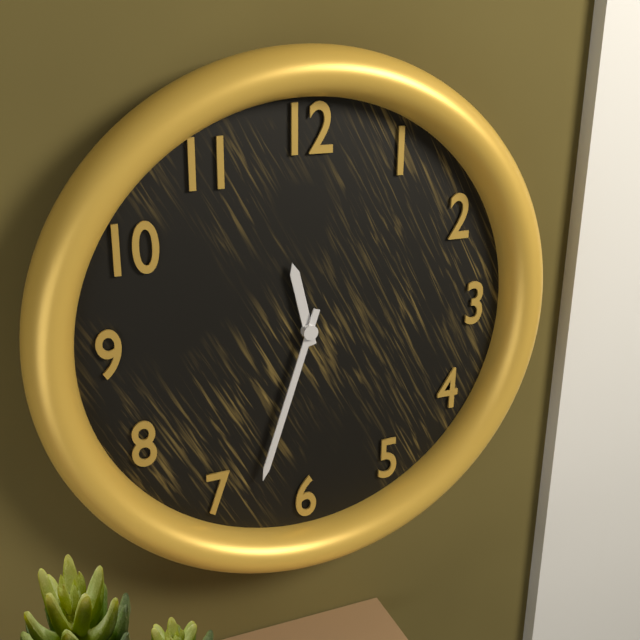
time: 11:33
